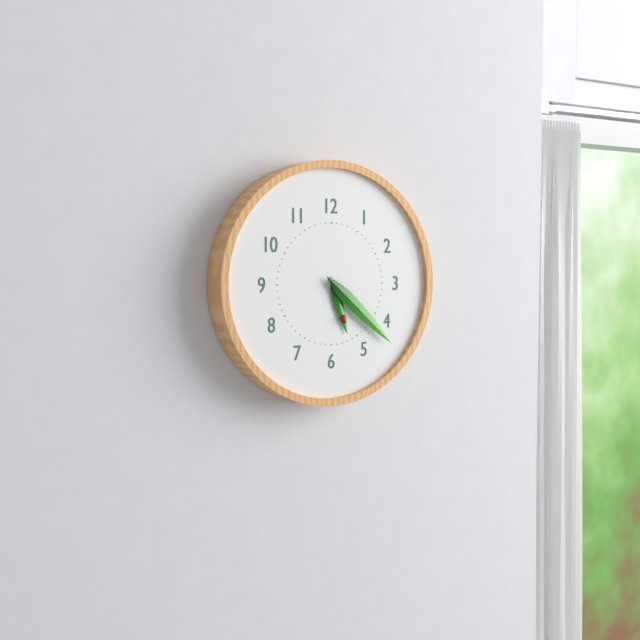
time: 5:22
